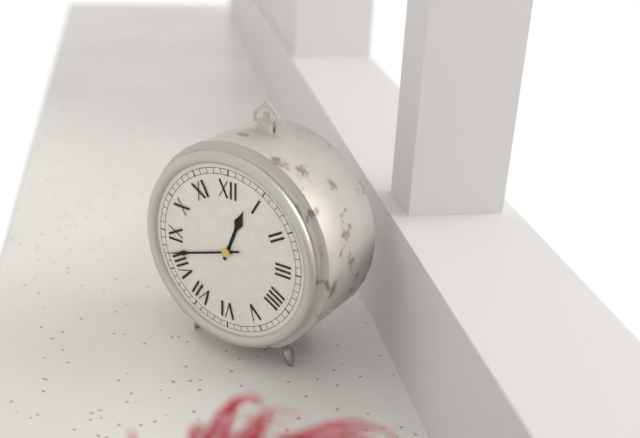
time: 12:42
